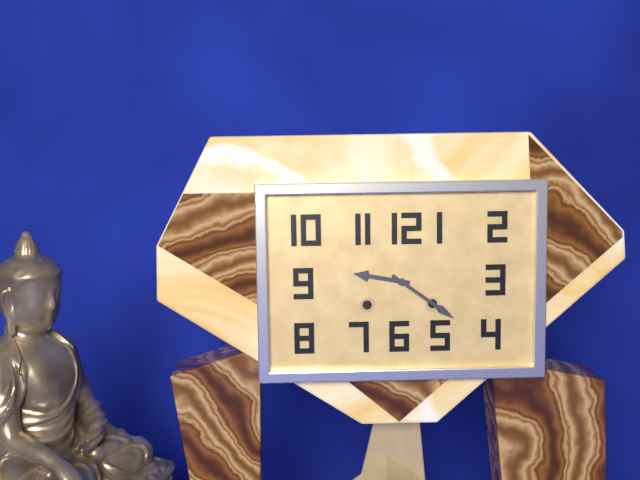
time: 9:21
